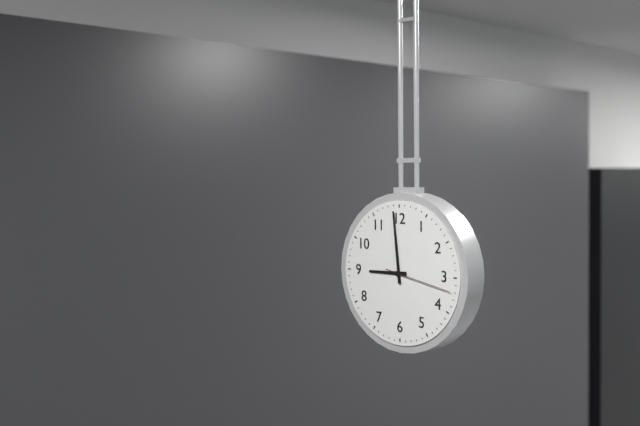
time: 8:59:17
